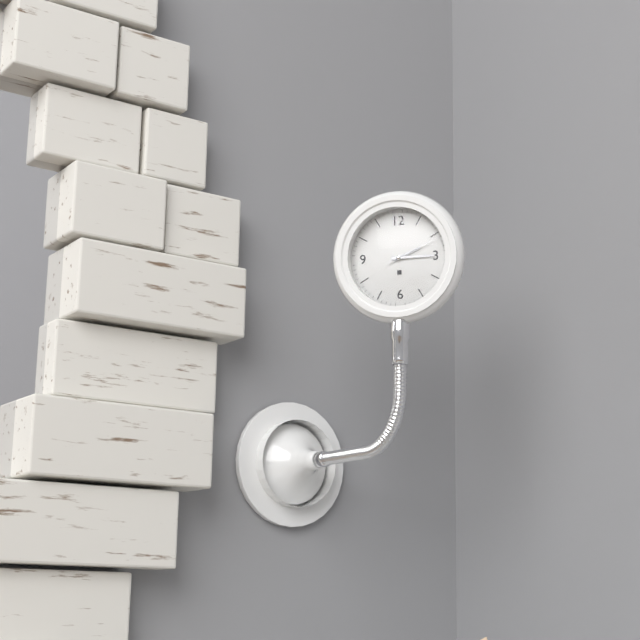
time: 2:15
